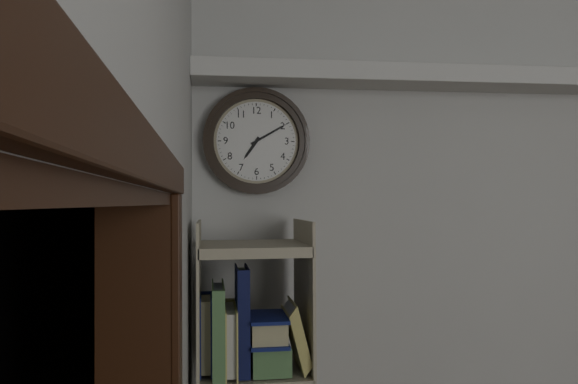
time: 7:10
